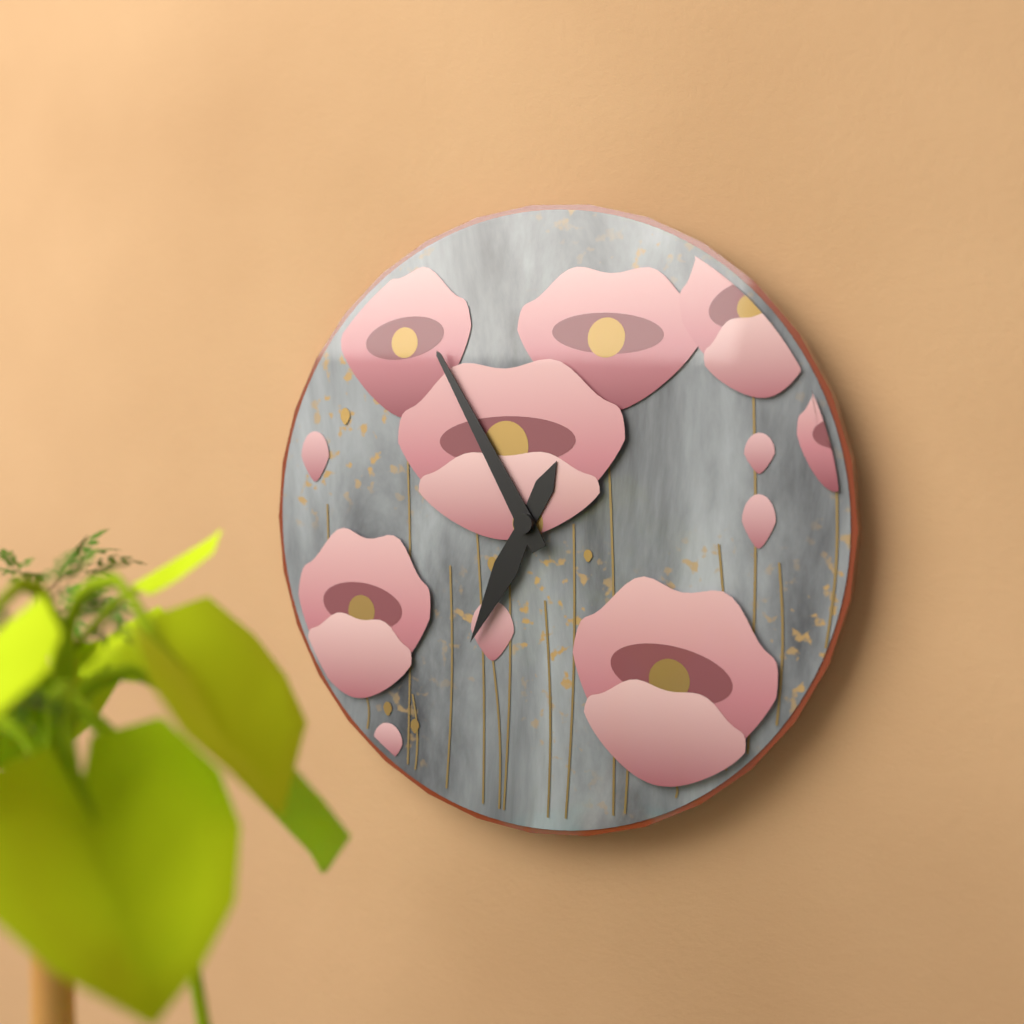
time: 6:55
